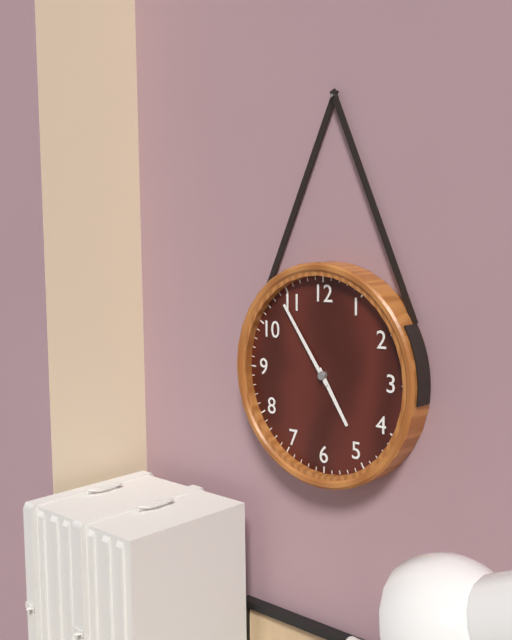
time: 4:54
